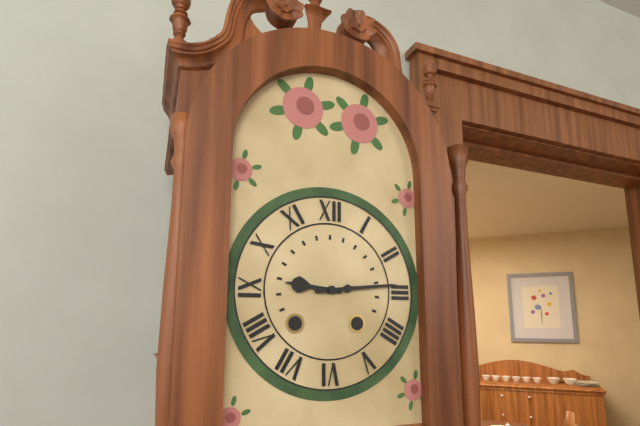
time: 9:14
